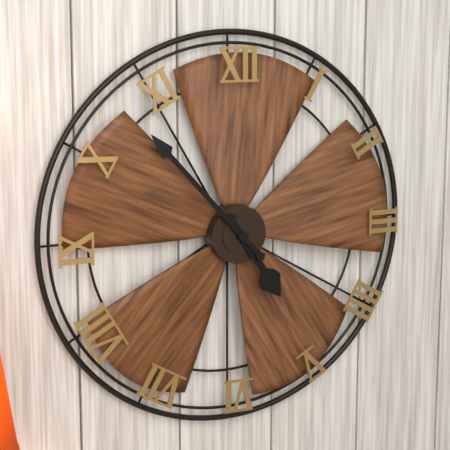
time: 4:53
